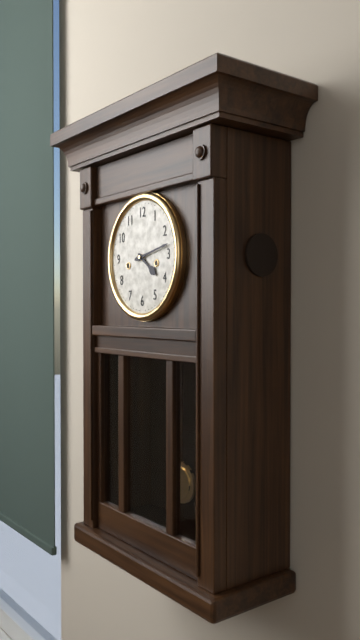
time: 4:13
